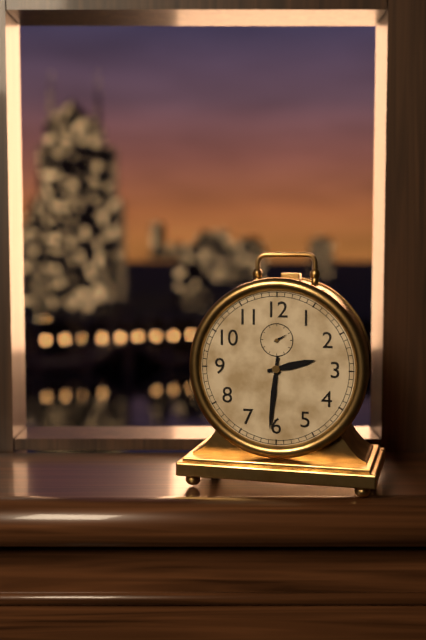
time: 2:31
